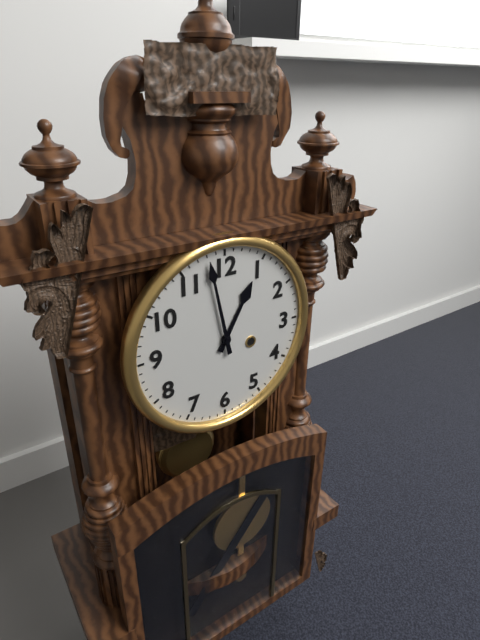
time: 12:58
